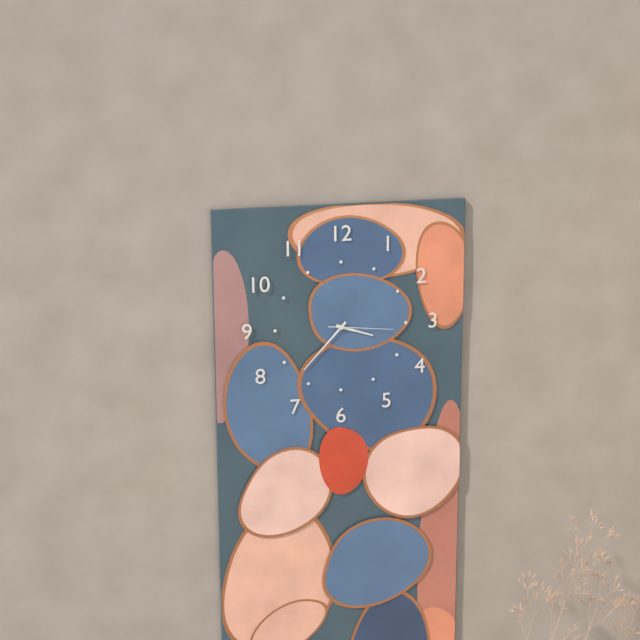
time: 3:37:16
